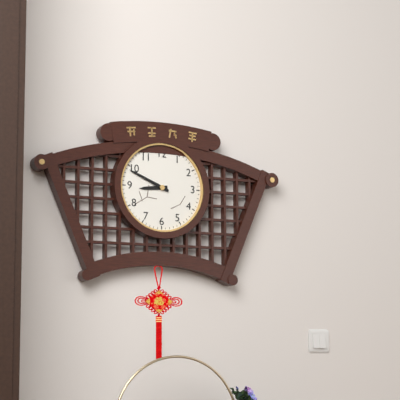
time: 8:49
